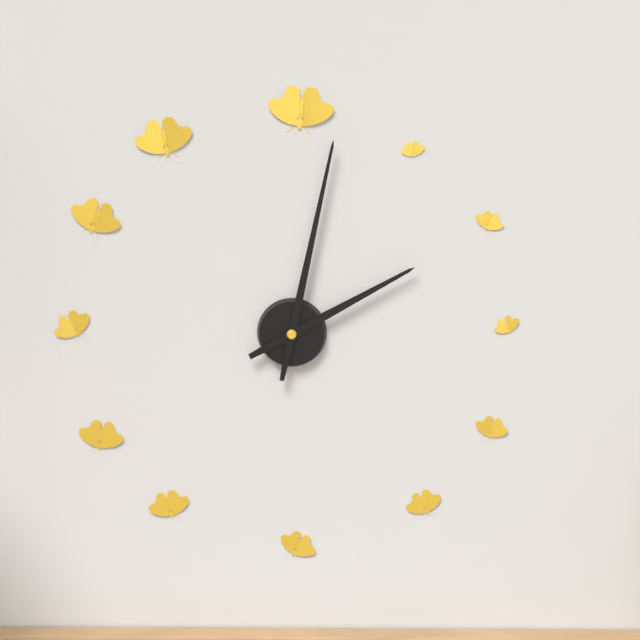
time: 2:02
